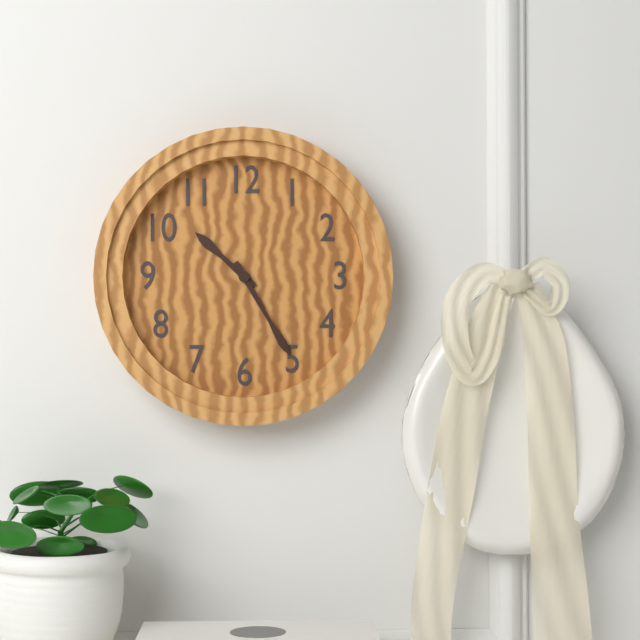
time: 10:25
